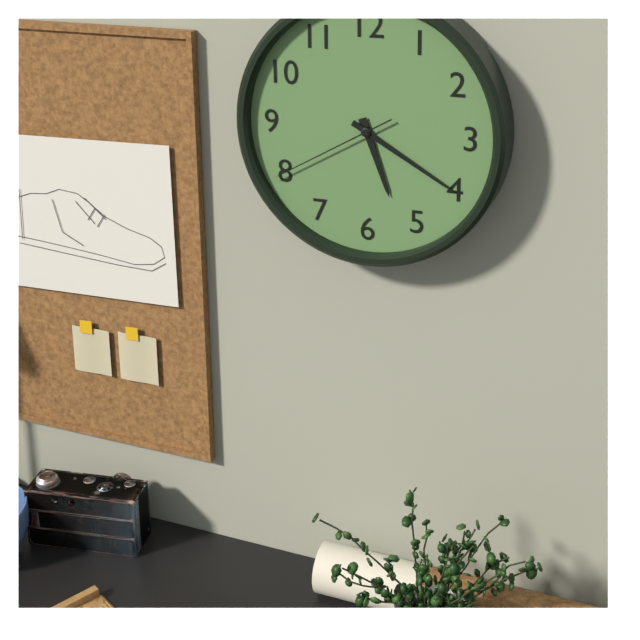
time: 5:20:40
